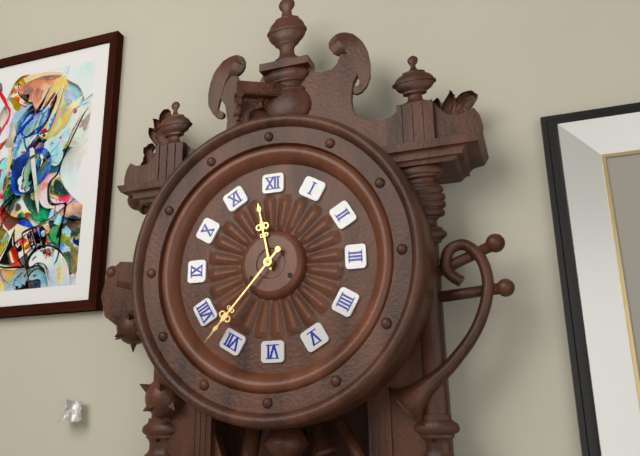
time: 11:37
